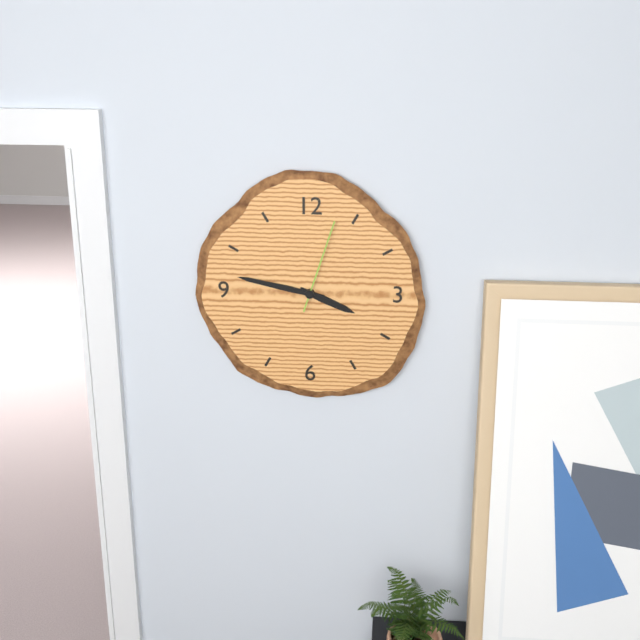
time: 3:47:03
